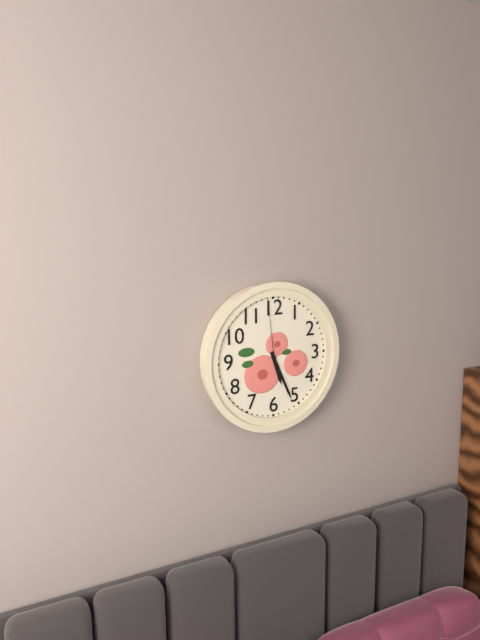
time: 5:26:59
